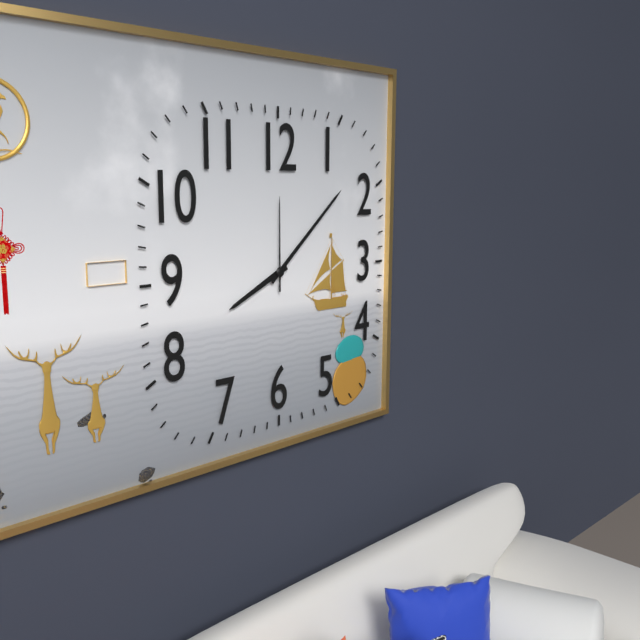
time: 8:08:00
